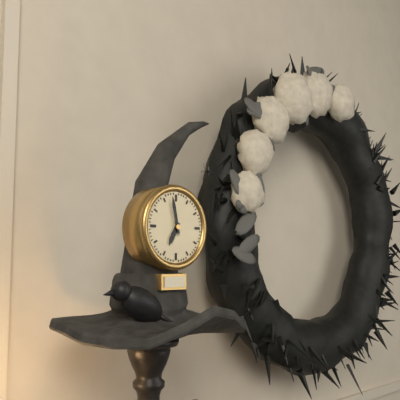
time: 6:58
